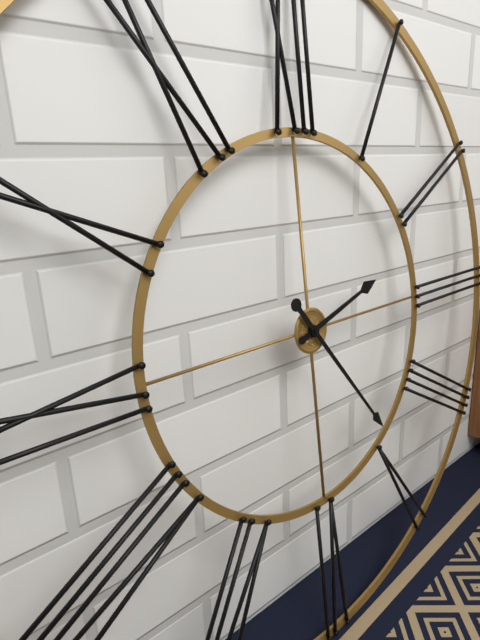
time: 2:24
